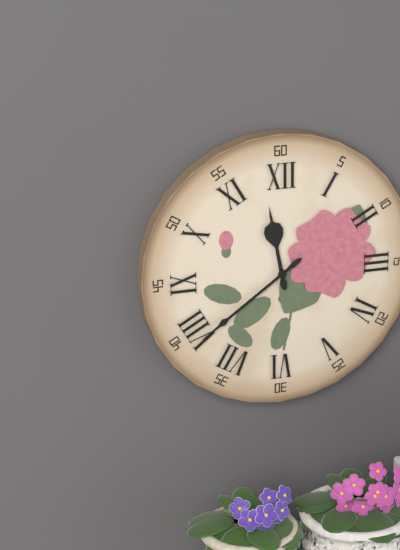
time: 11:39
